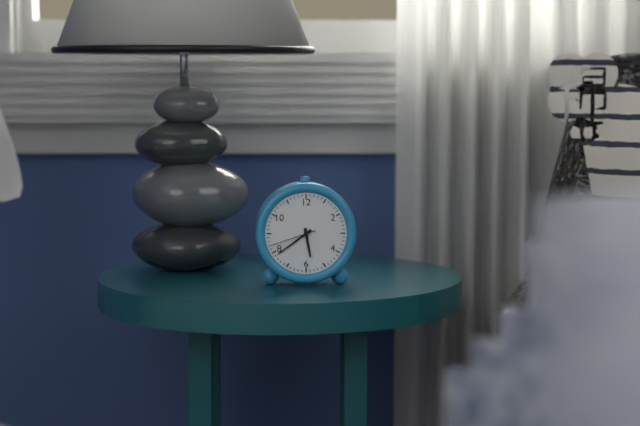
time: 5:39
